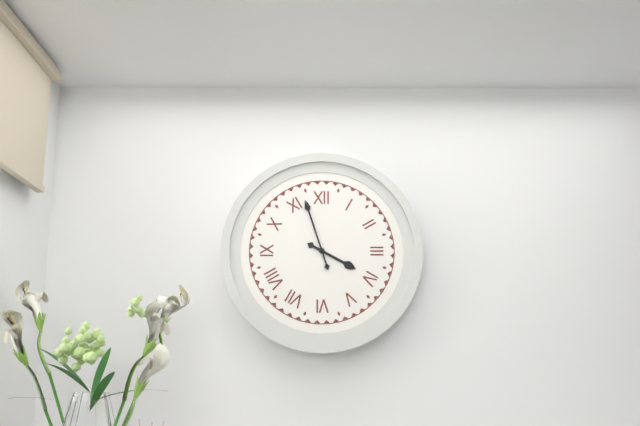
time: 3:57
